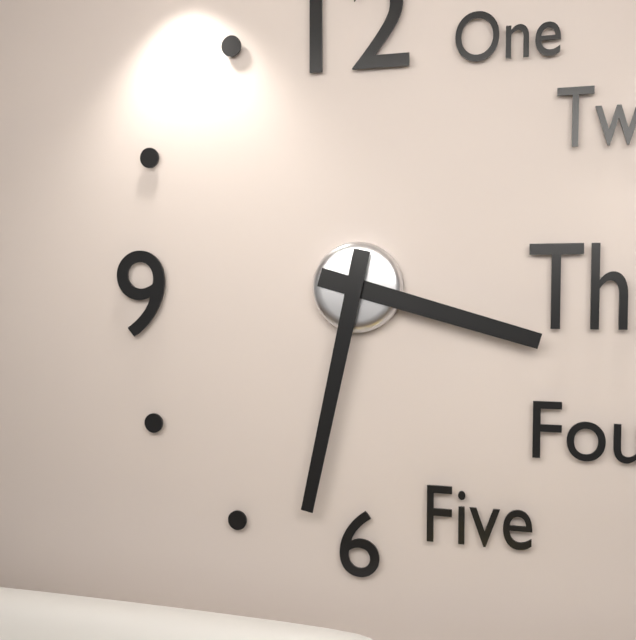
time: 3:32
